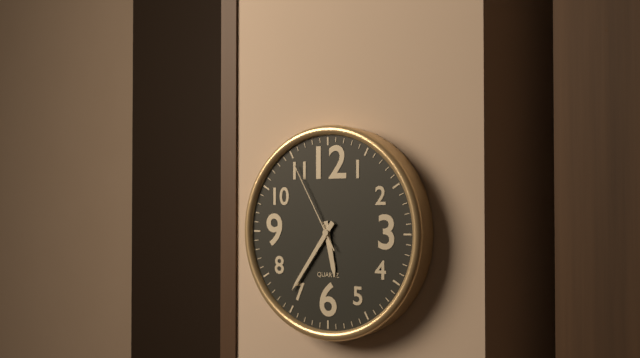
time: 5:36:55
